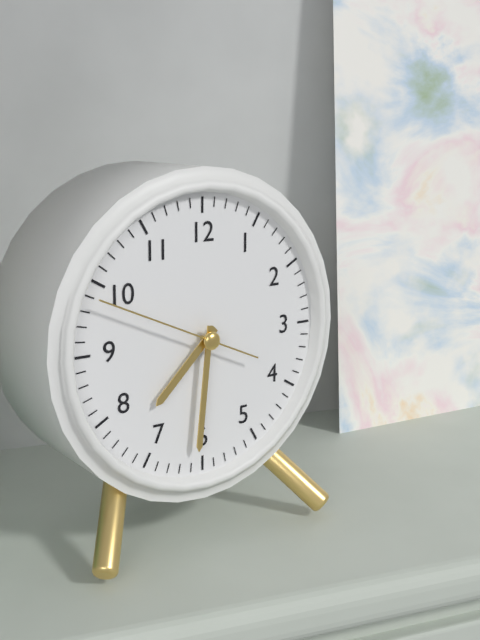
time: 7:31:49
